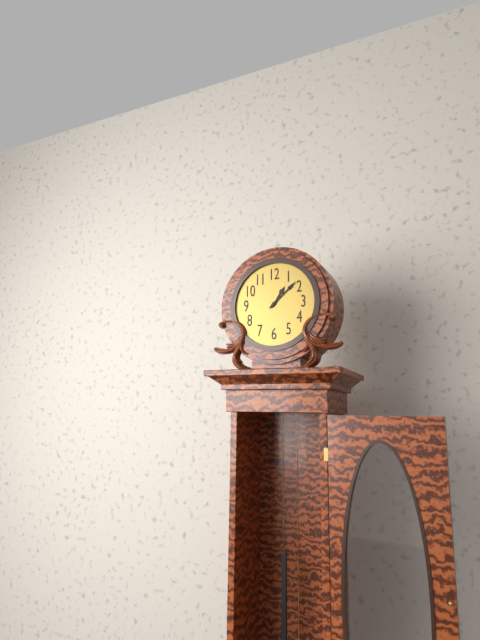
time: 1:08
